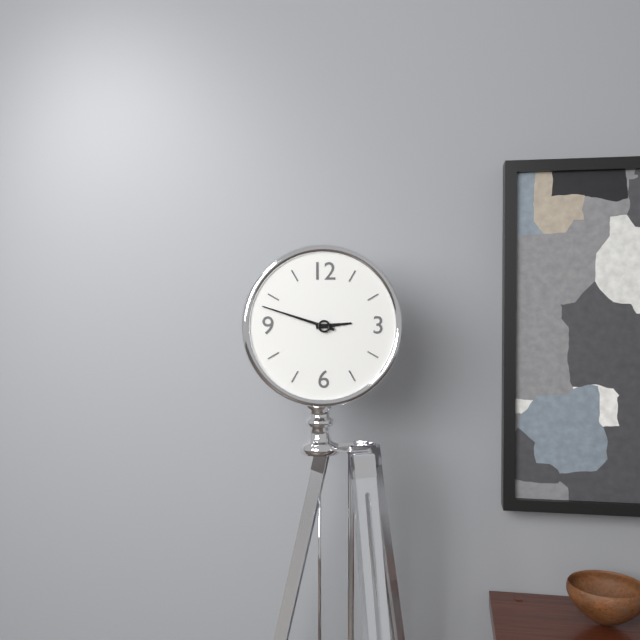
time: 2:48
